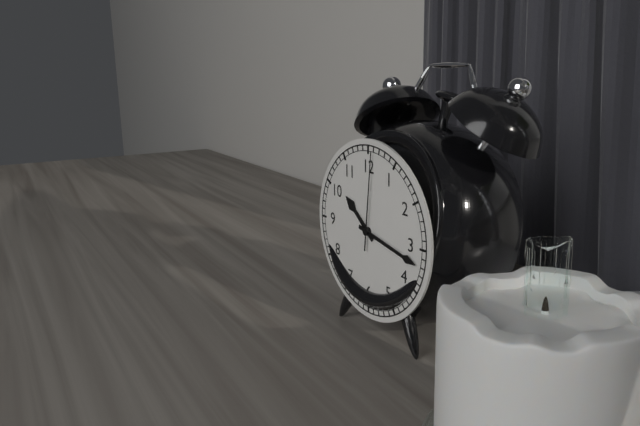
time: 10:17:01
